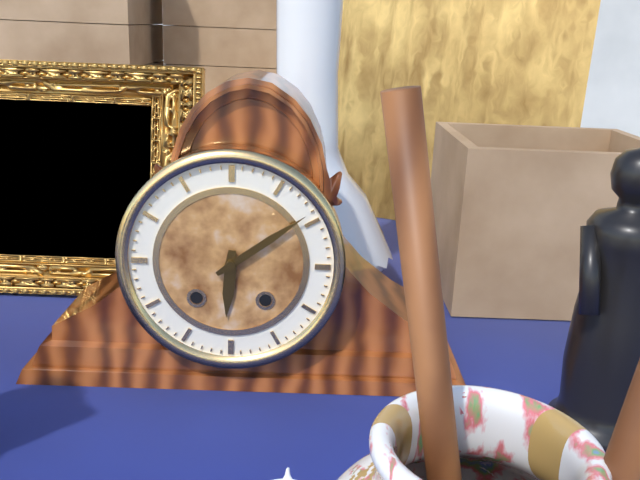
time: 6:09
